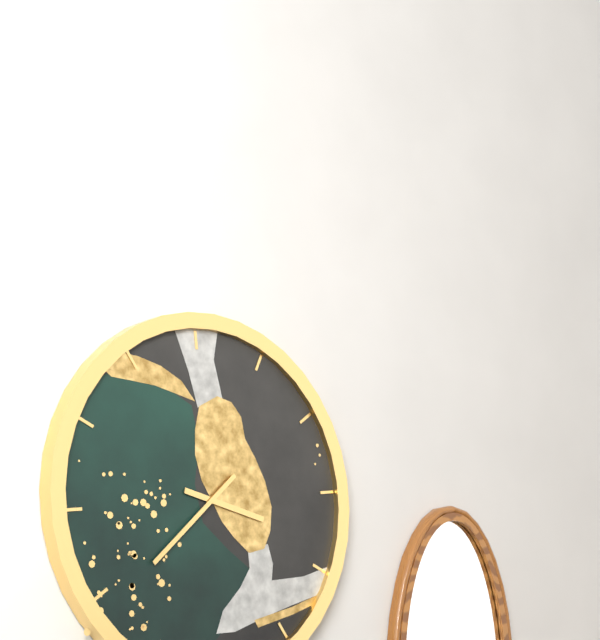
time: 3:39
